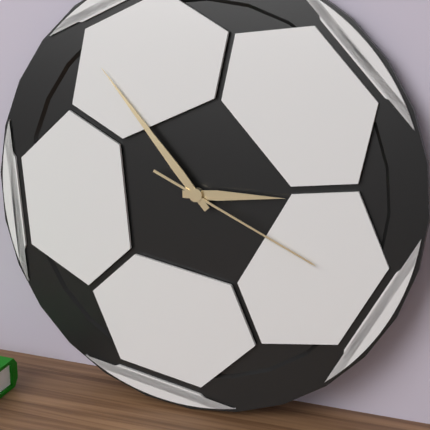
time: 2:53:19
